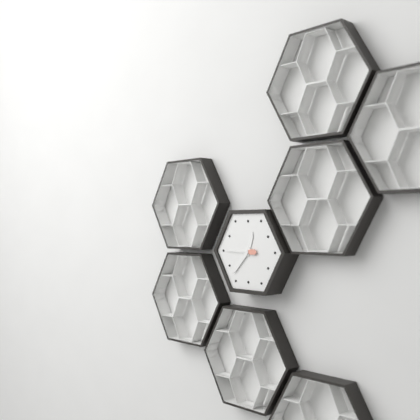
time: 12:37
